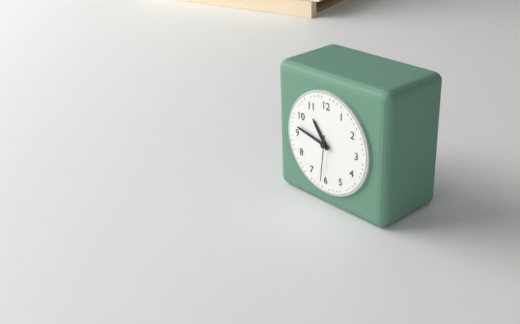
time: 10:47
